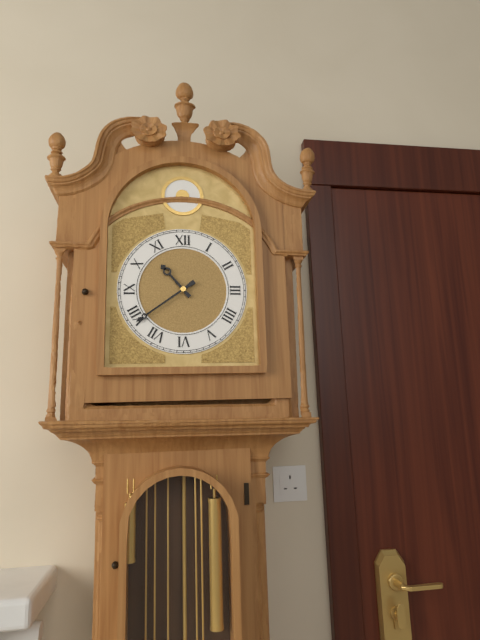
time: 10:39
